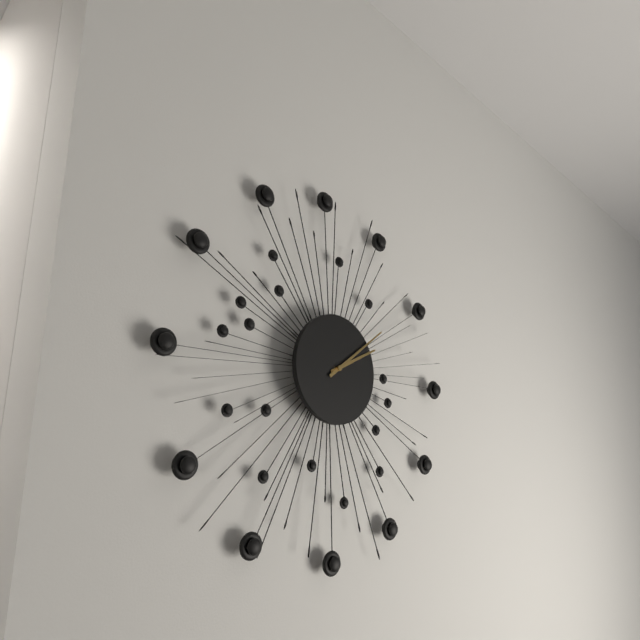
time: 2:09
